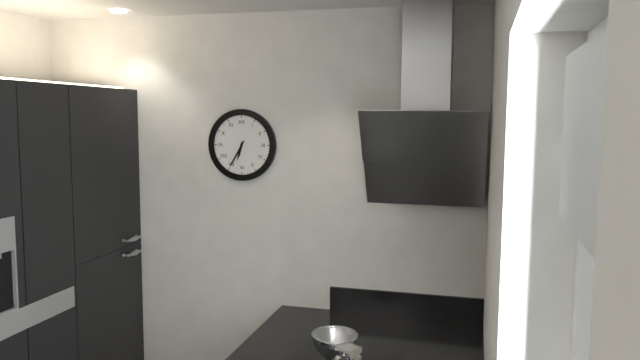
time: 6:35
